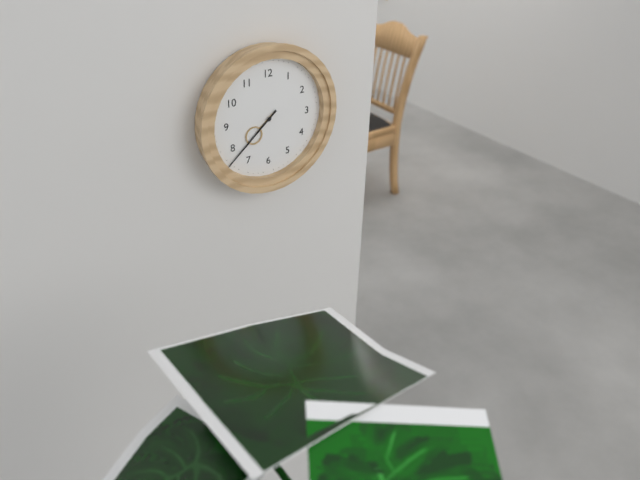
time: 7:38
